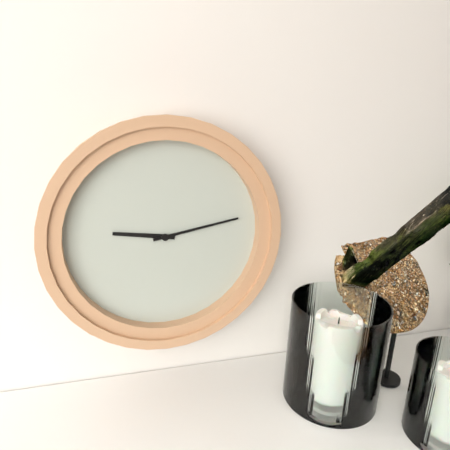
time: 9:13
